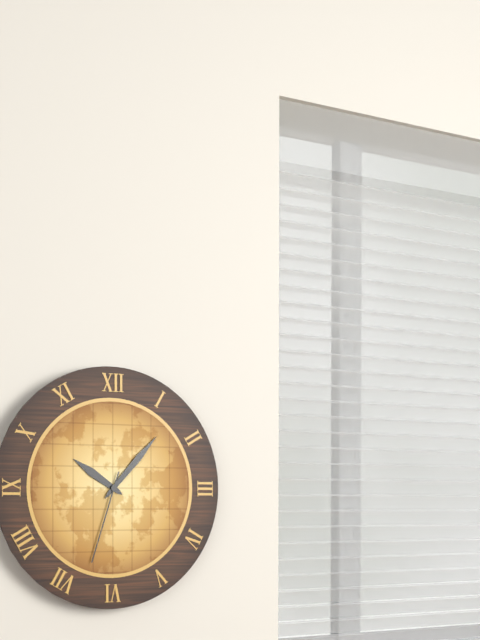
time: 10:07:33
